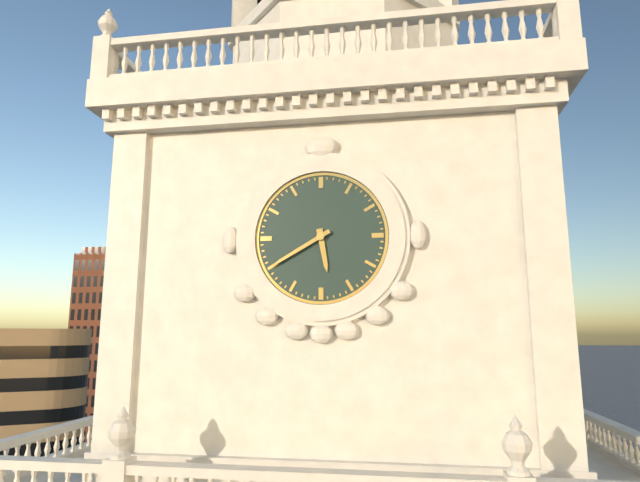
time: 5:40
